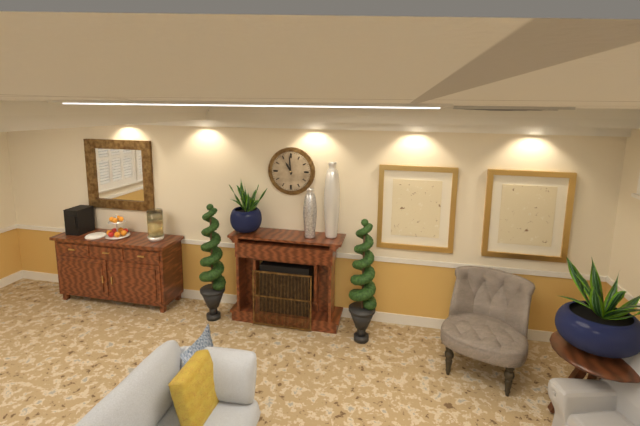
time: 10:59
